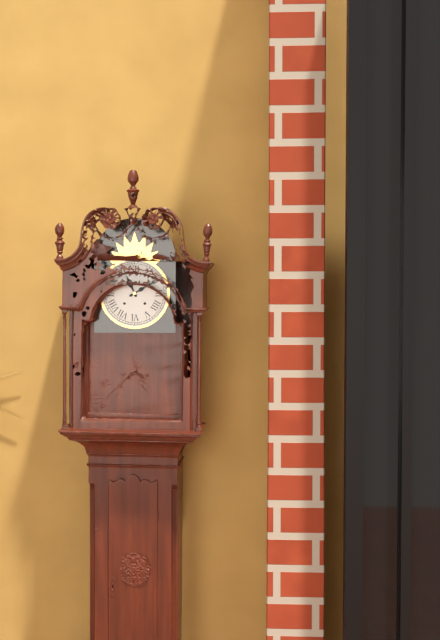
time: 11:10
